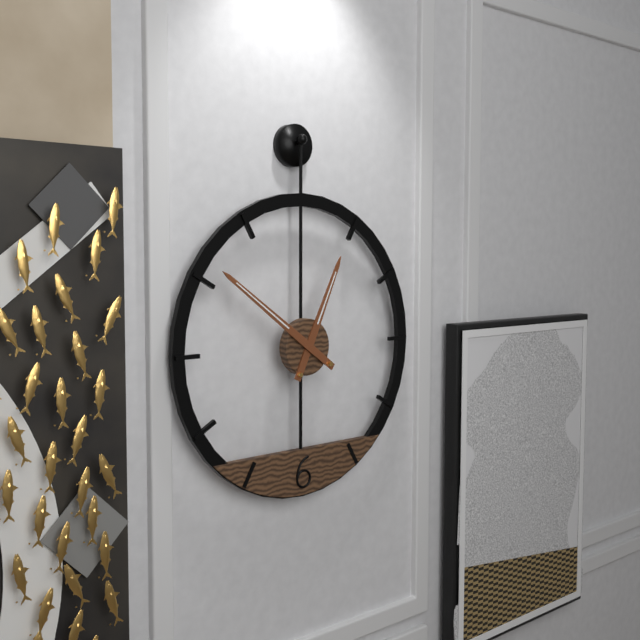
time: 12:51
